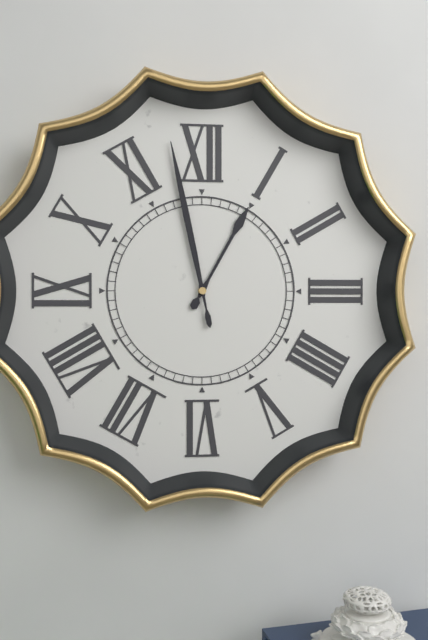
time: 12:58
